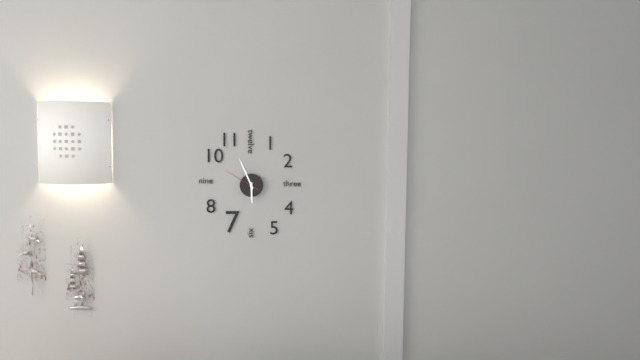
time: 5:56
